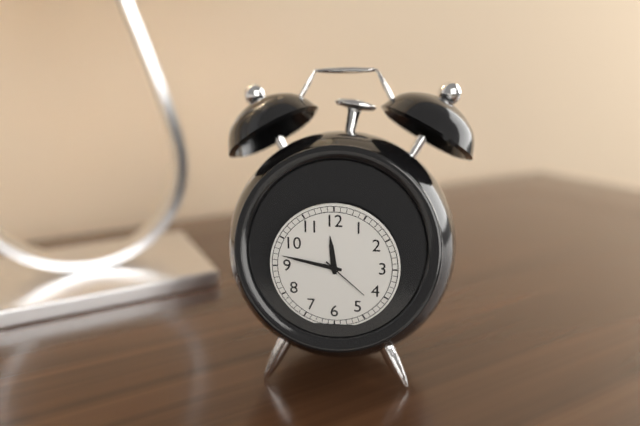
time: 11:47:22
